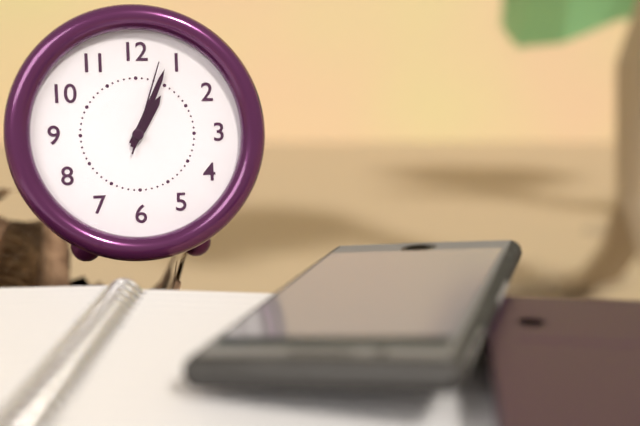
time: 1:04:03
